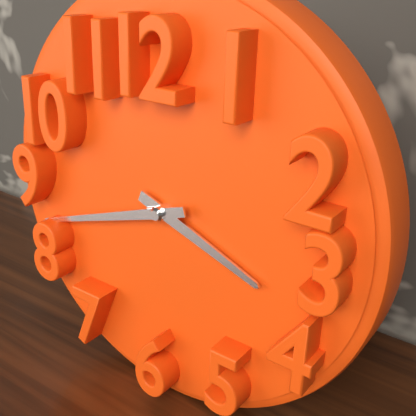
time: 3:42
